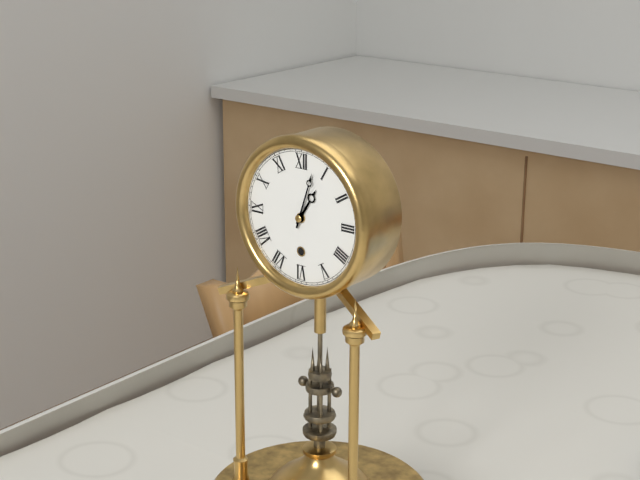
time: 1:03
